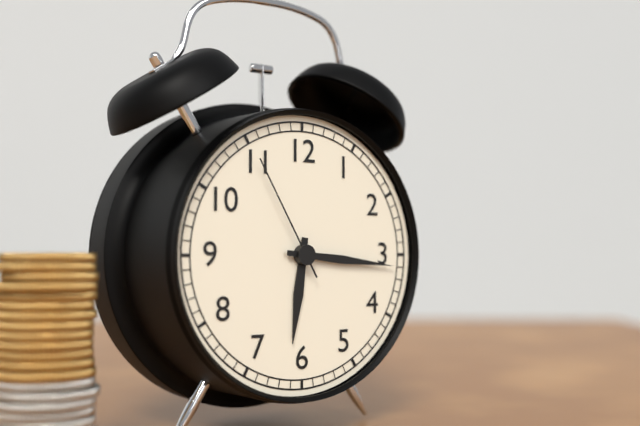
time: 6:16:55
